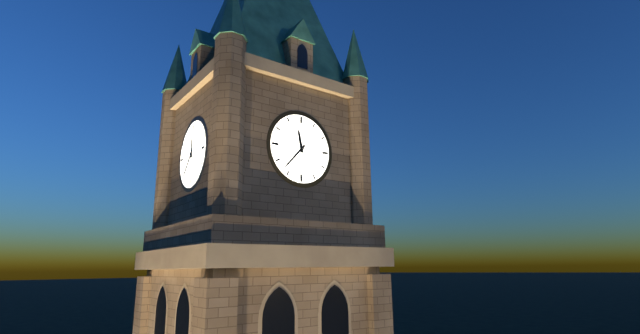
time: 11:37
